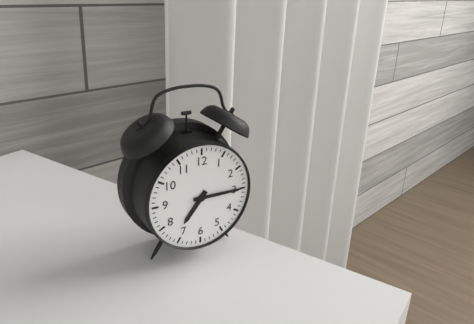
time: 7:15
